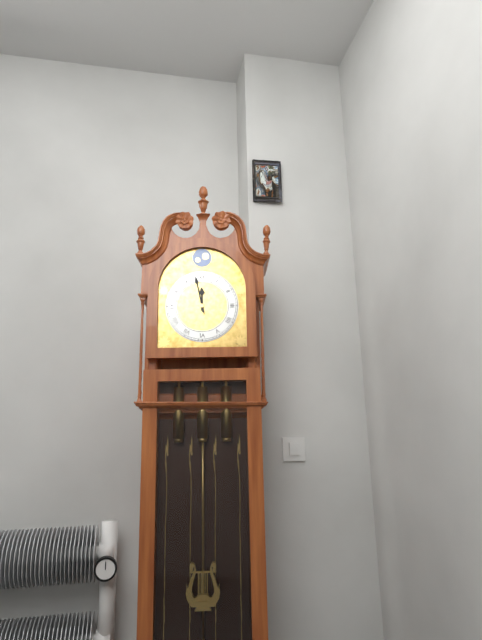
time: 11:58
